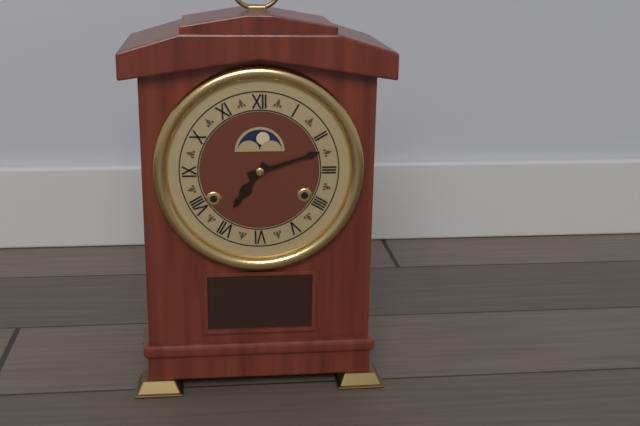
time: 7:12
